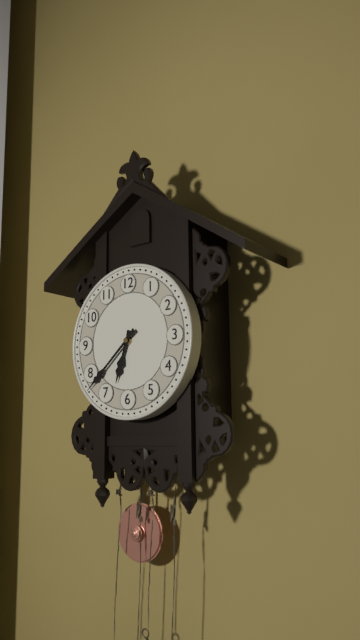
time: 6:38
